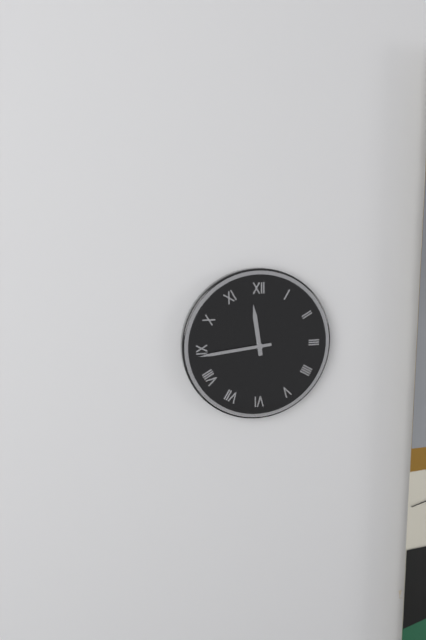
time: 11:44
